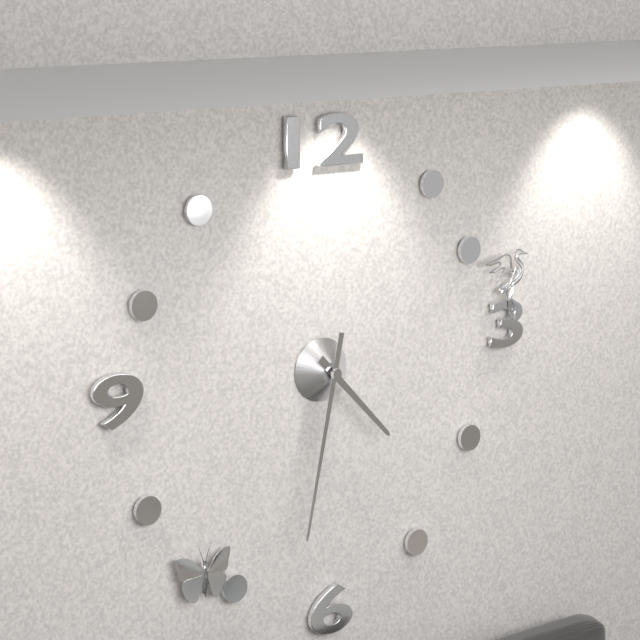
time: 4:32
